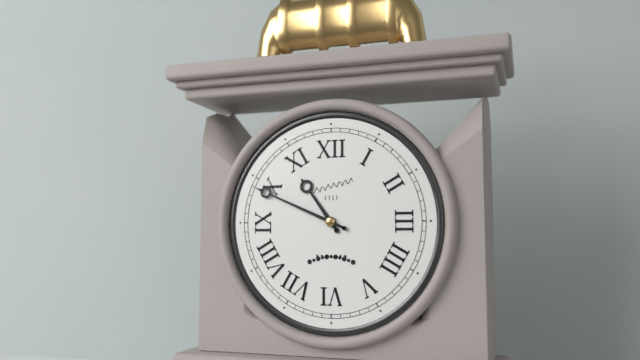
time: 10:49
